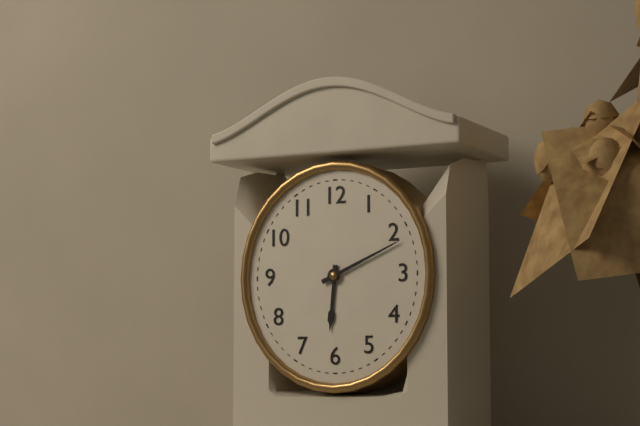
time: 6:11
